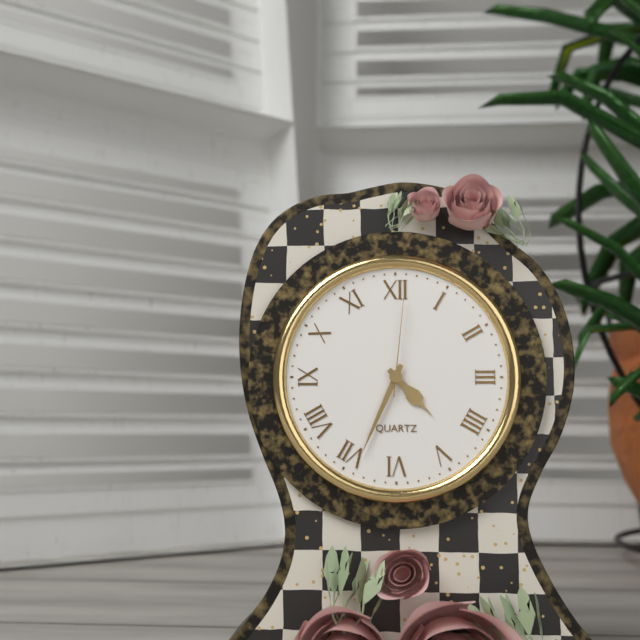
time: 4:34:01
